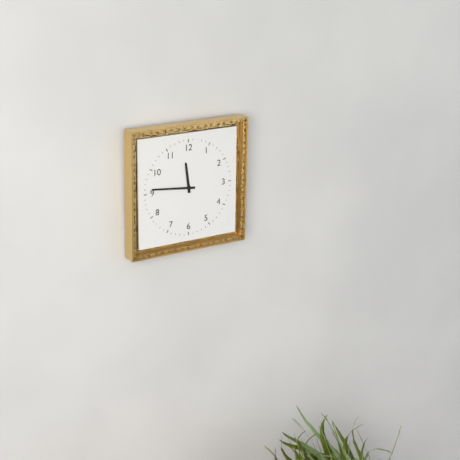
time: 11:46
